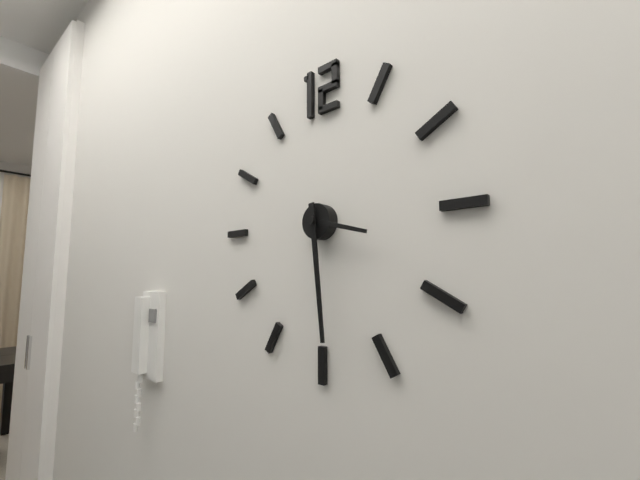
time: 3:29
